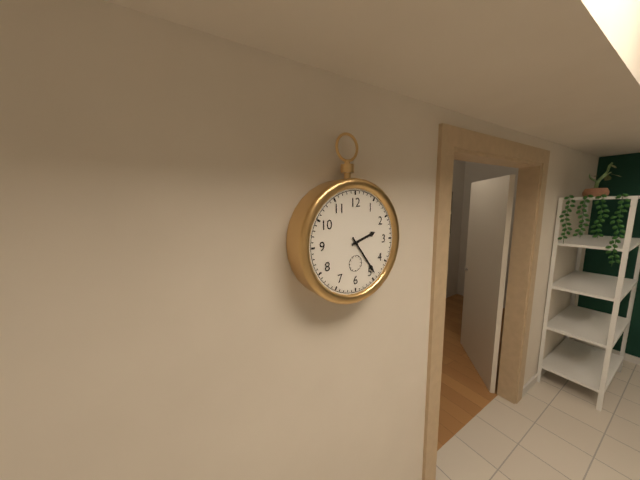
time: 2:24
